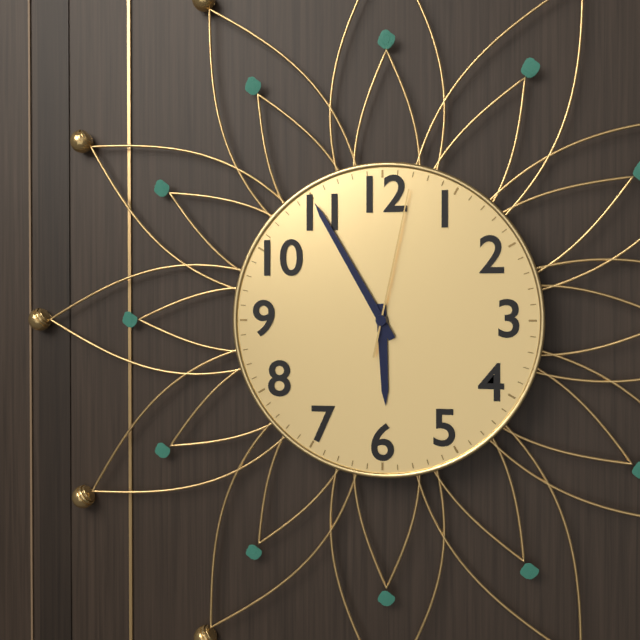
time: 5:55:02
